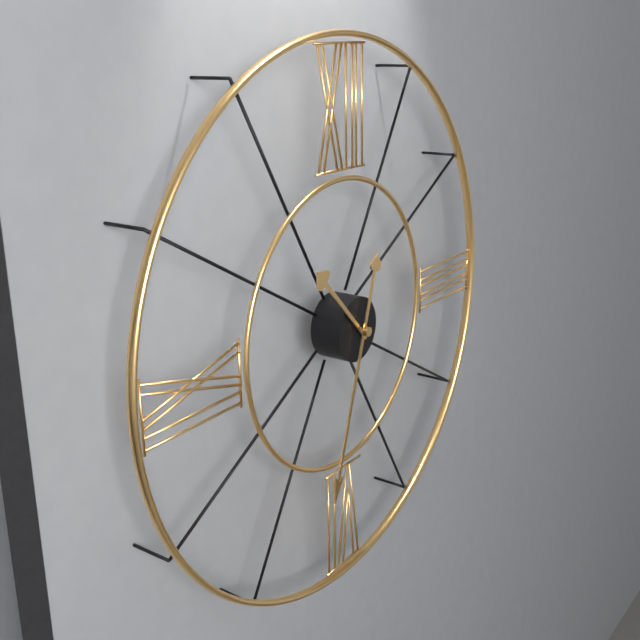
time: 10:33
